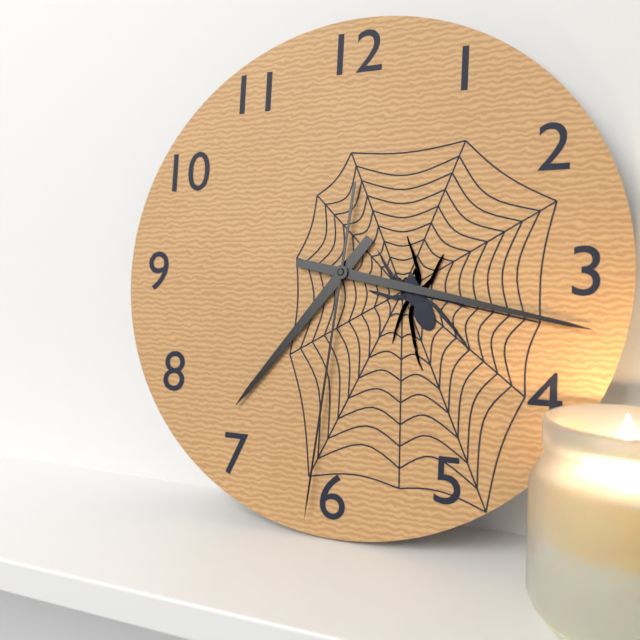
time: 7:17:31
